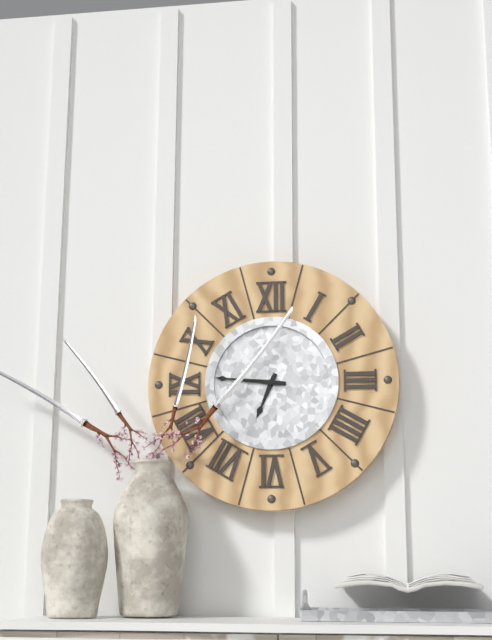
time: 6:46
